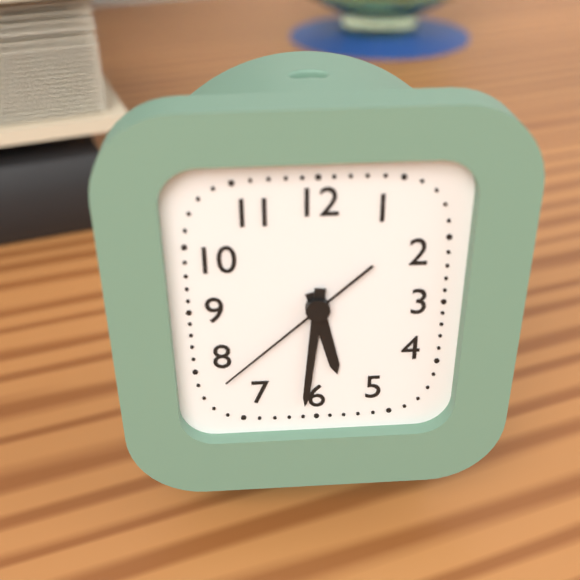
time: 5:31:38
